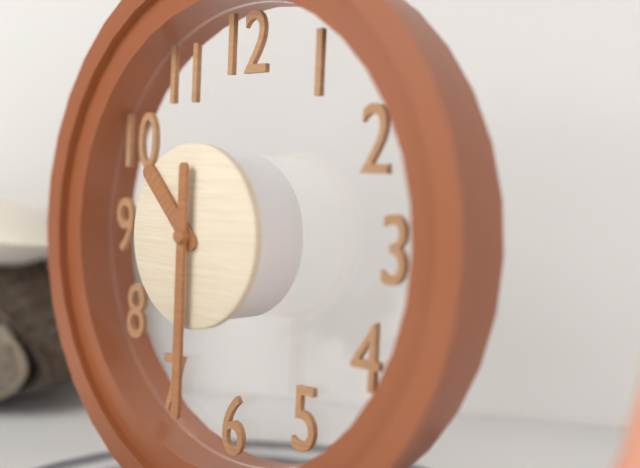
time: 10:30
